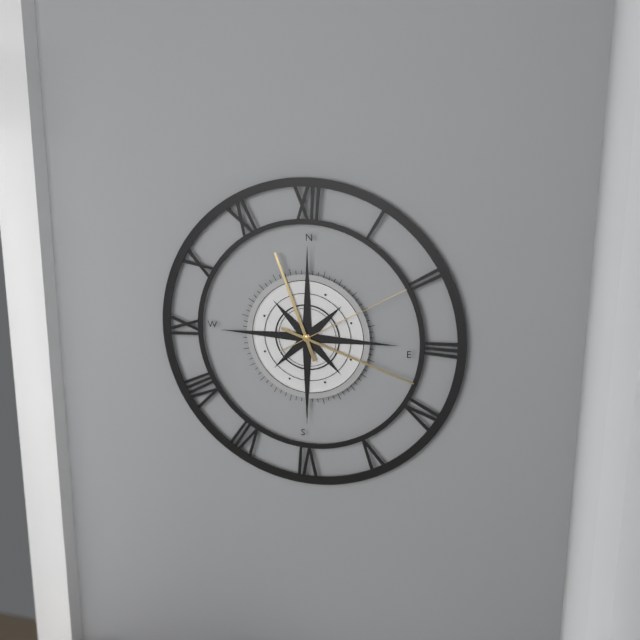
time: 11:18:10
